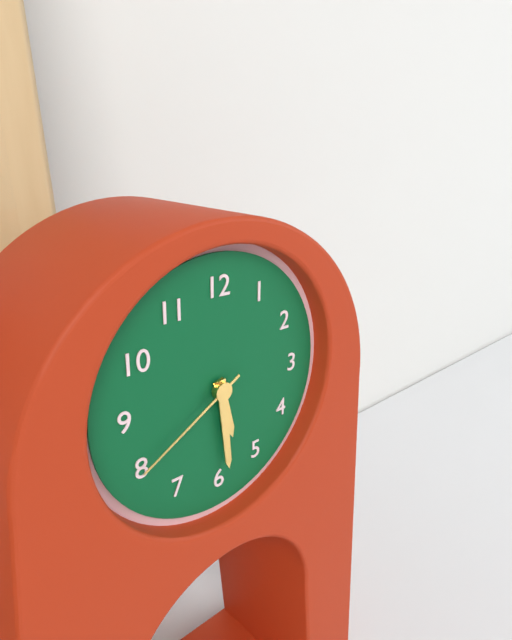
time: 5:29:40
